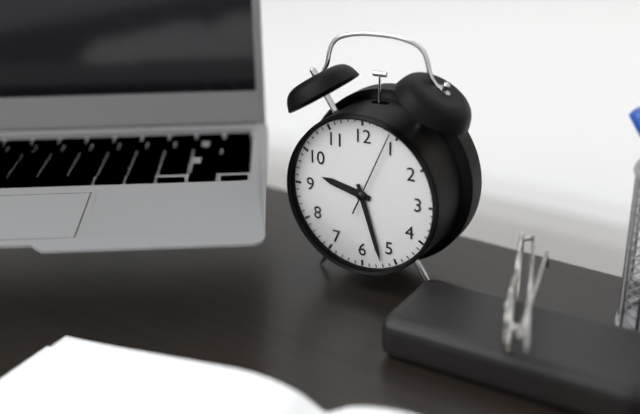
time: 9:27:04
